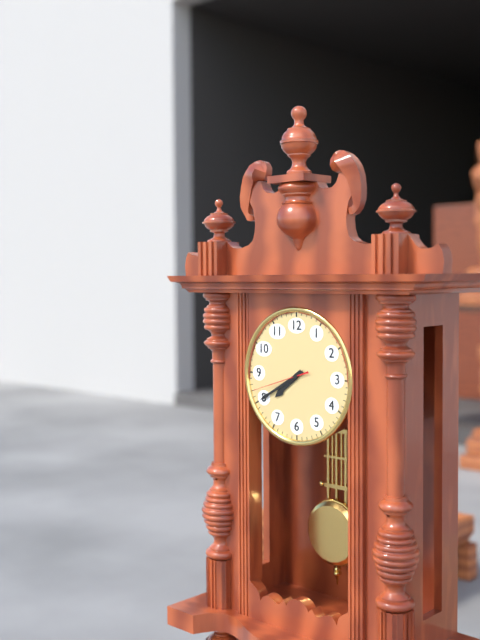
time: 7:40:42
